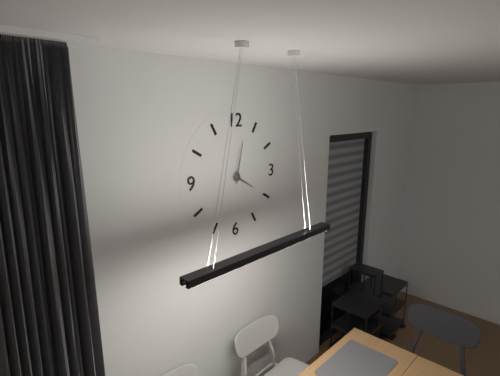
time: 4:02
